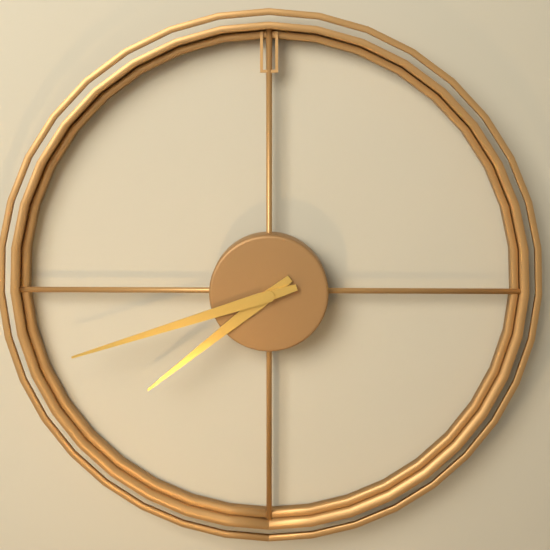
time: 7:42
